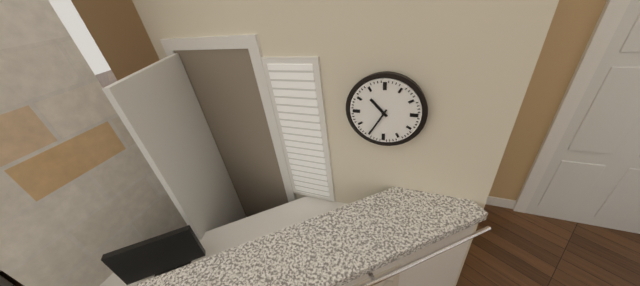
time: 10:35
